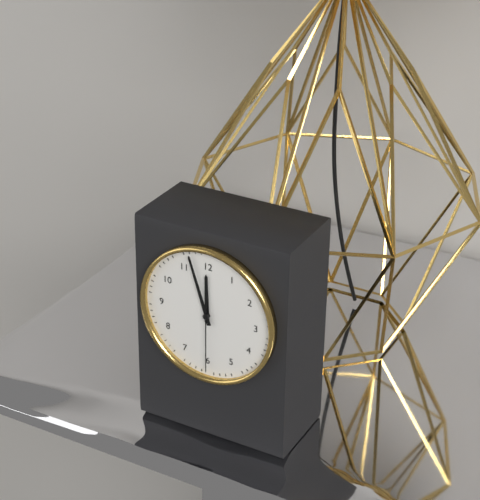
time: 11:57:30
